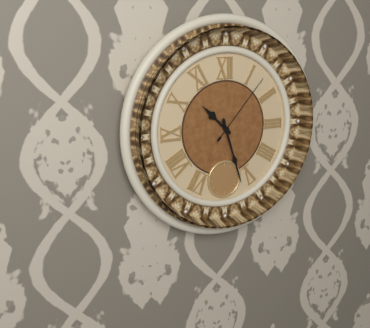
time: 10:27:07
